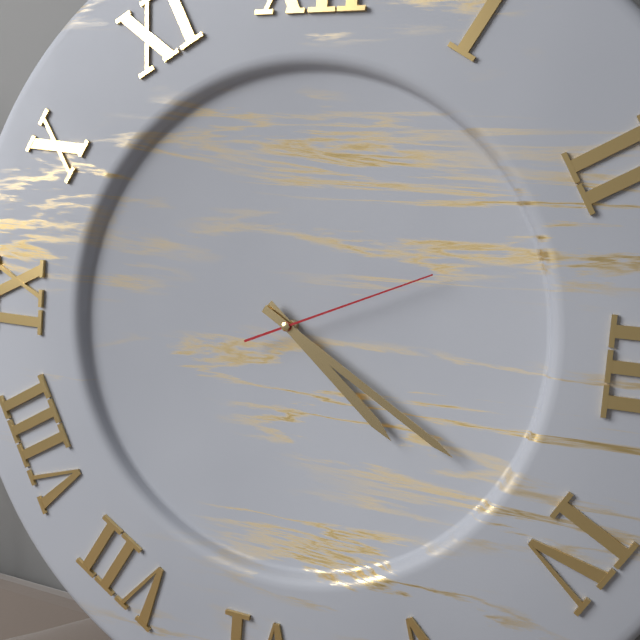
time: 4:20:11
